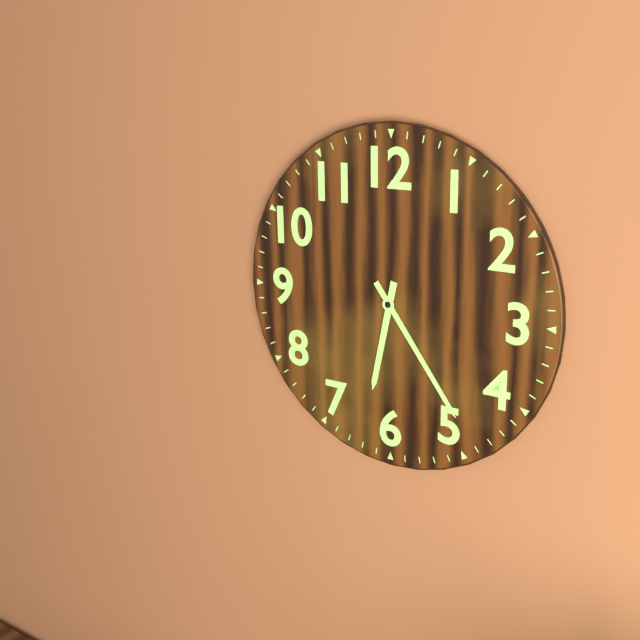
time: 6:24
